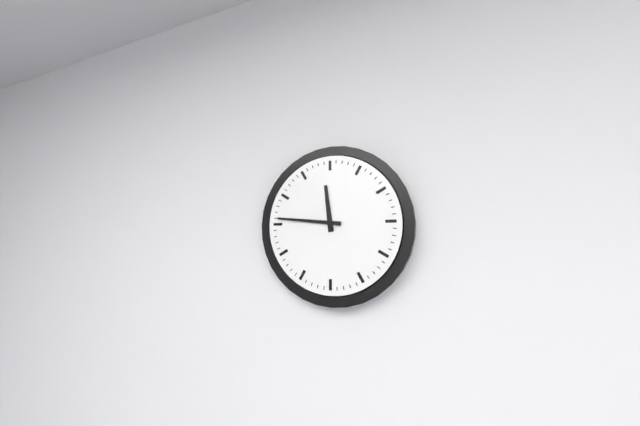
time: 11:46
